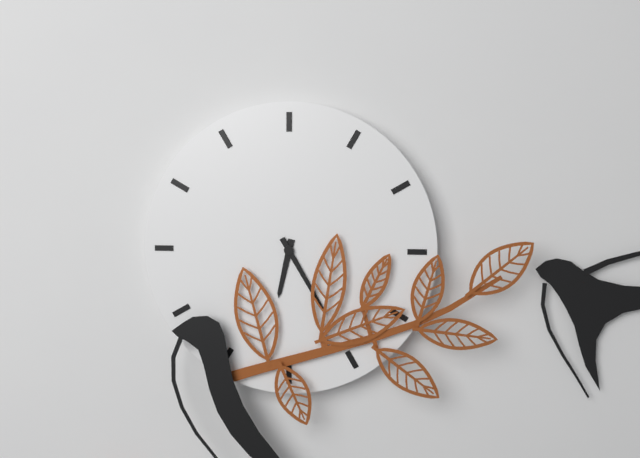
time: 6:25
